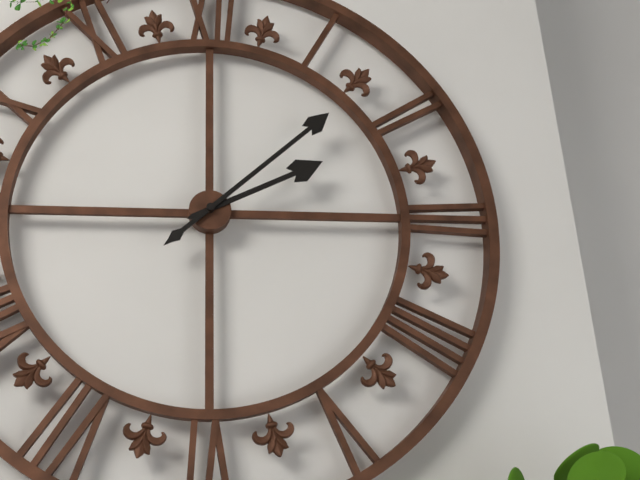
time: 2:08
